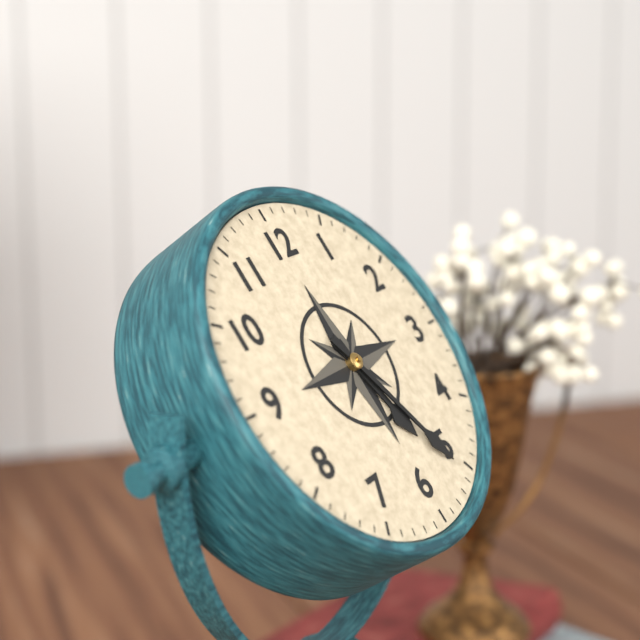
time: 5:26
